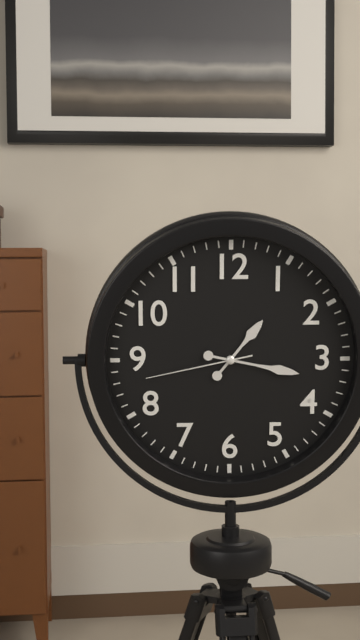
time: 1:17:43
